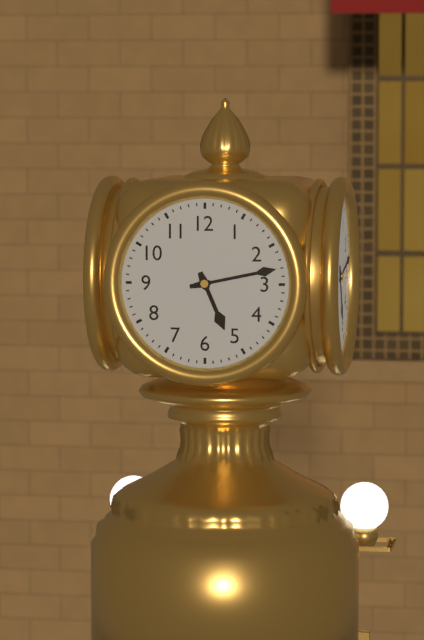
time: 5:13
